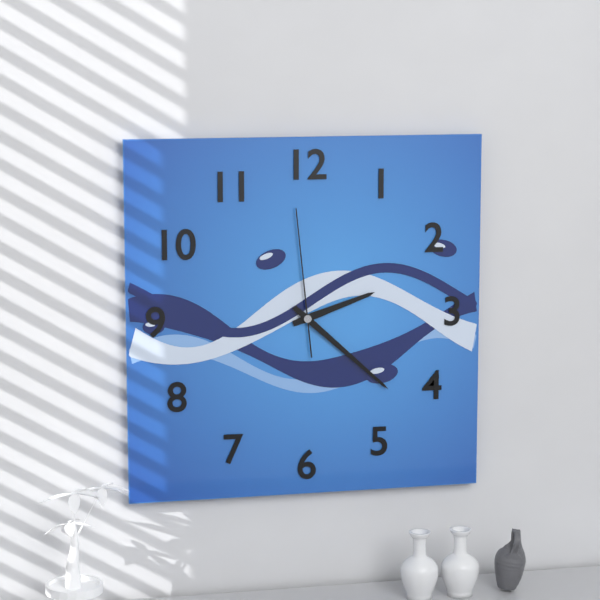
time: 2:22:59
